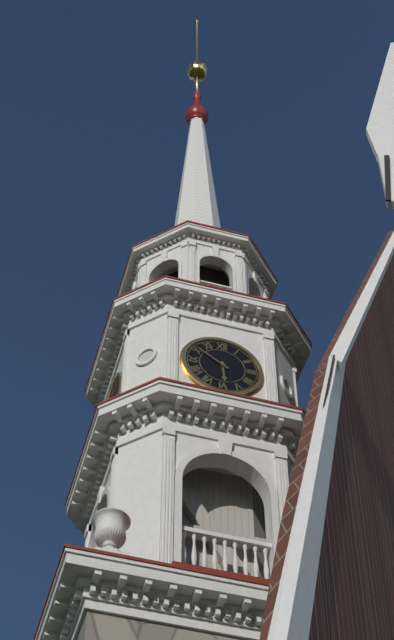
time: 5:51
